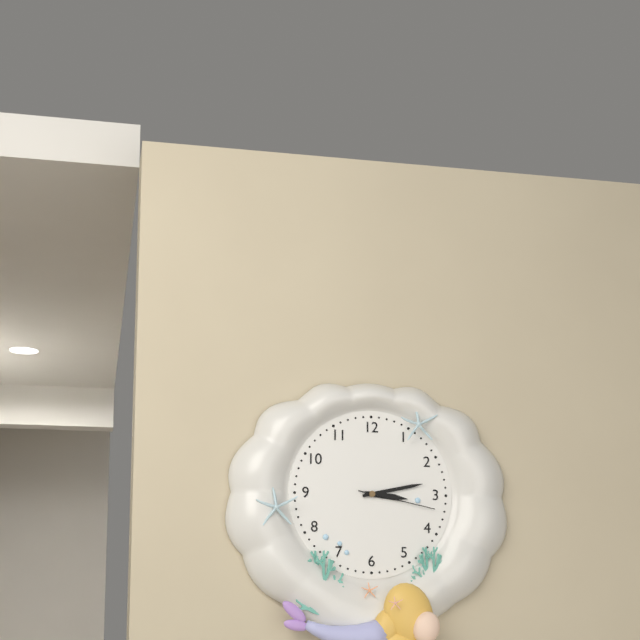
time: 3:13:17
